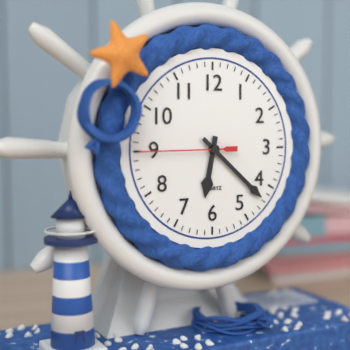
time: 6:22:45
